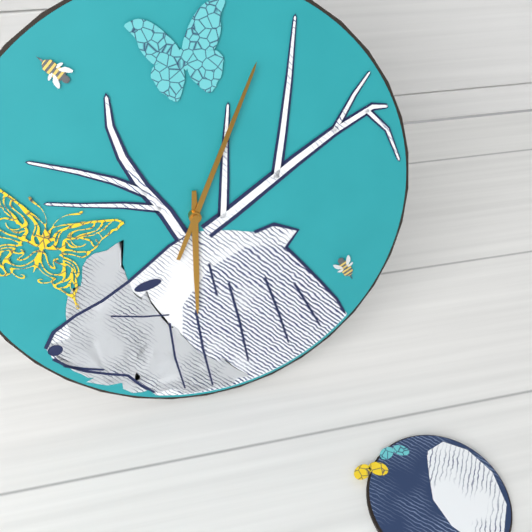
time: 6:04
